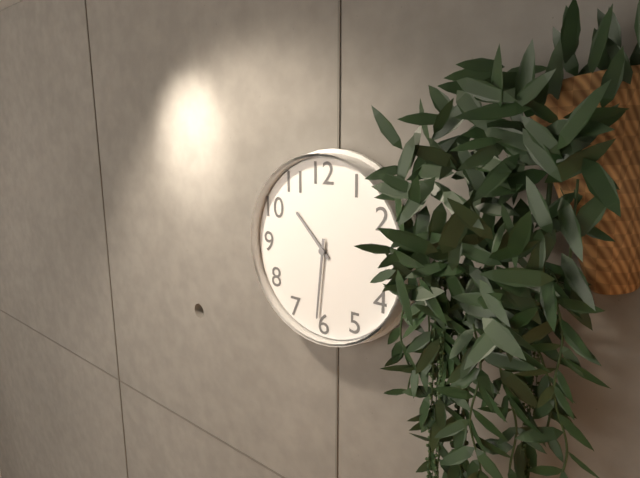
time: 10:31
